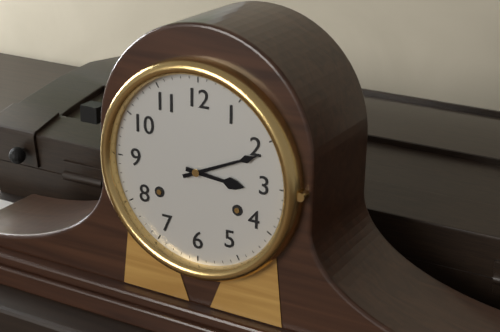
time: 3:11
